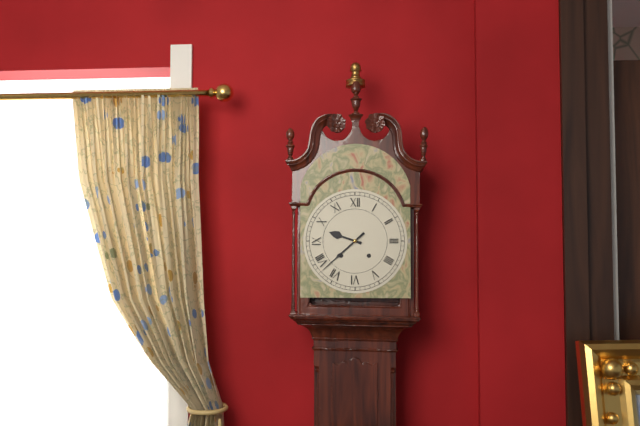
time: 9:38
